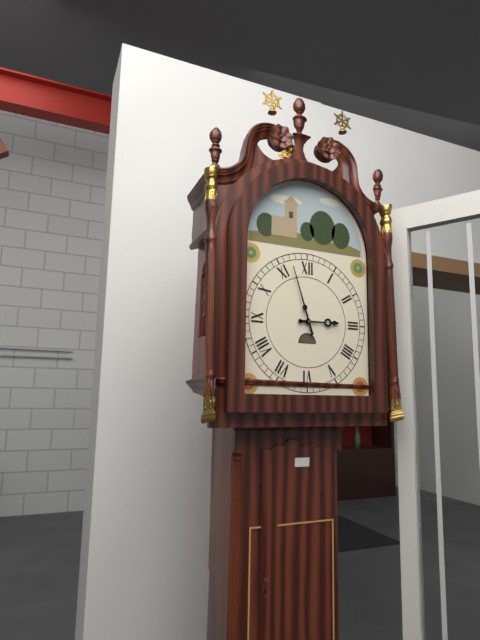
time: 2:57
